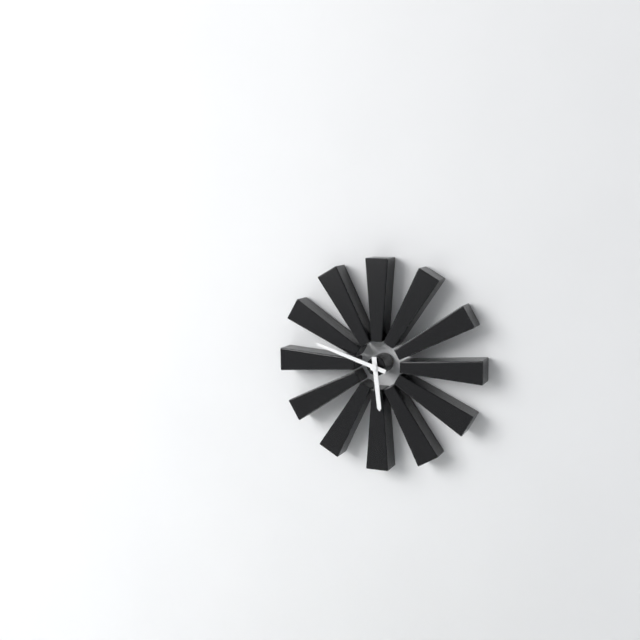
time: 5:48
